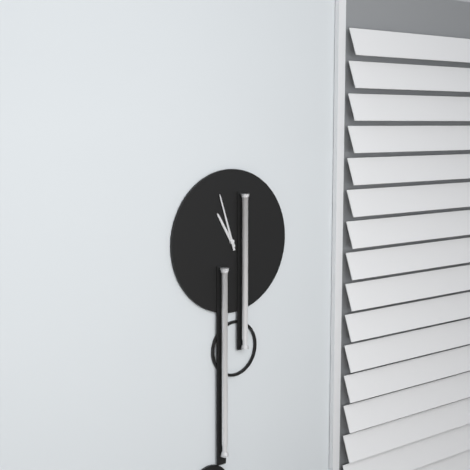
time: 10:57
